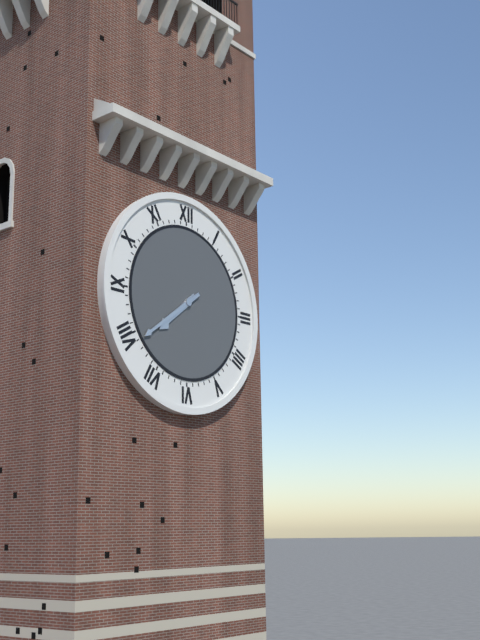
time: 7:39
